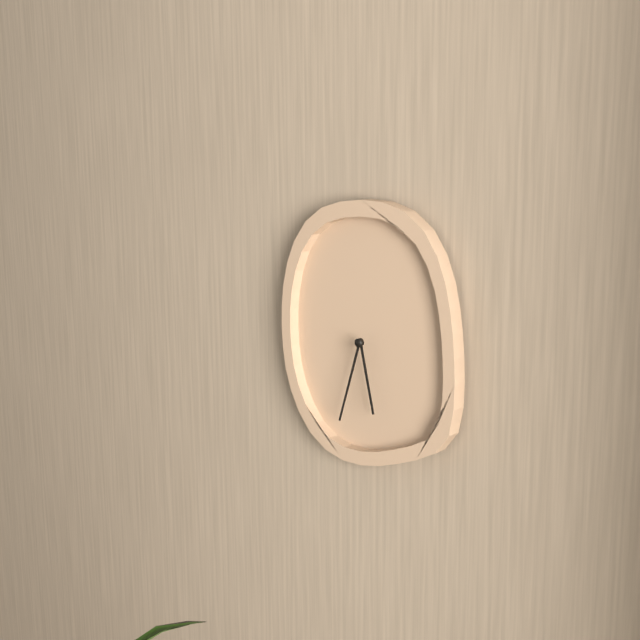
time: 5:33
